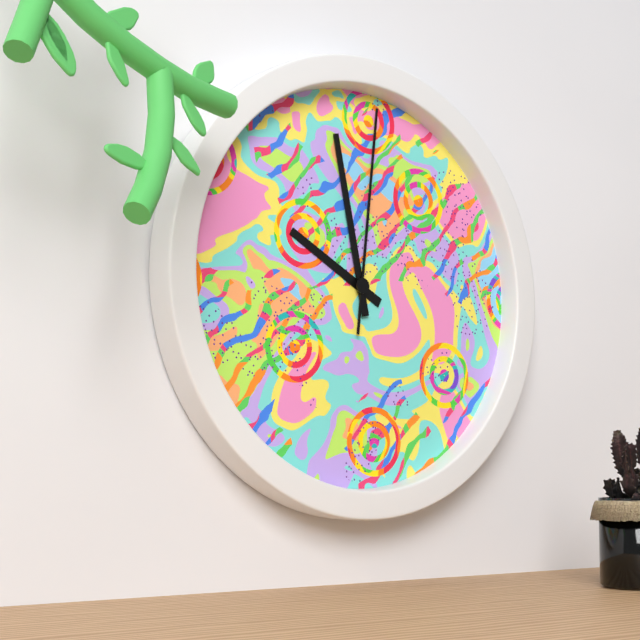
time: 9:58:01
